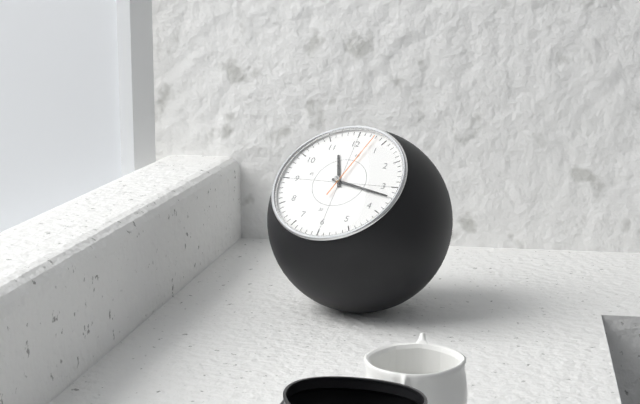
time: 11:17:03
